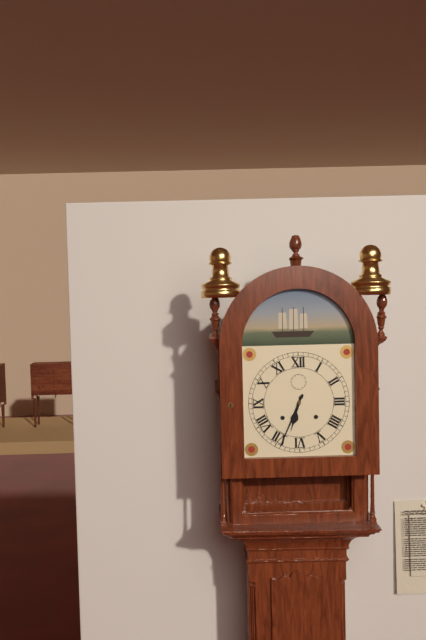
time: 6:34
